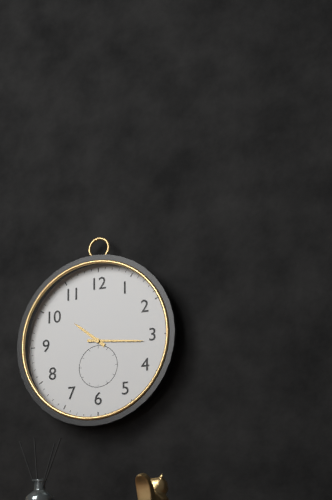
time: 10:16
